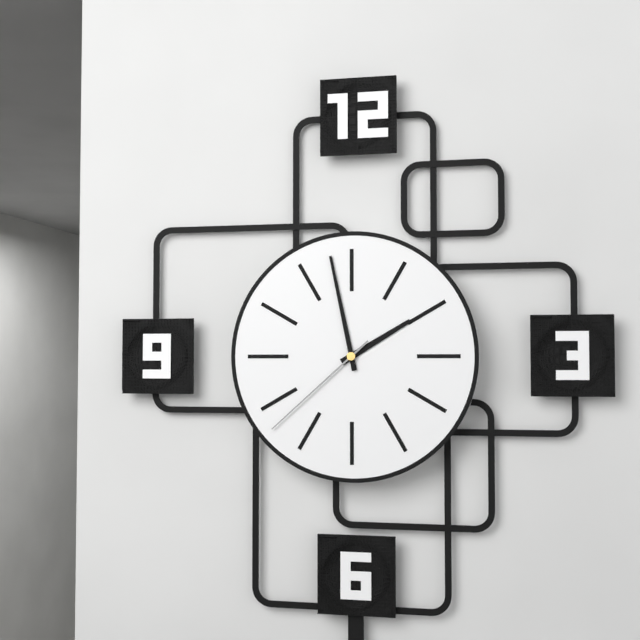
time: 1:58:38
